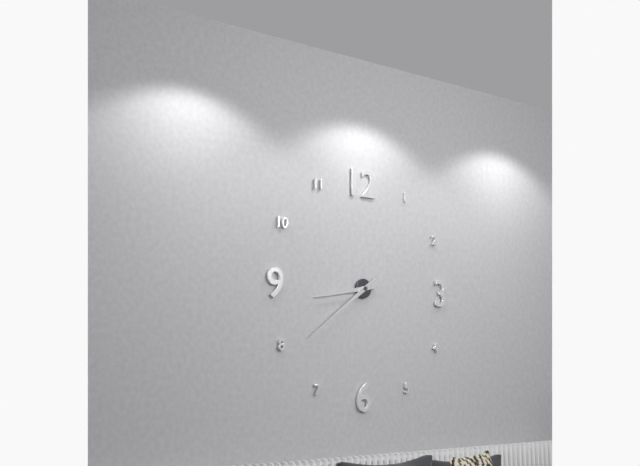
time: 8:39
